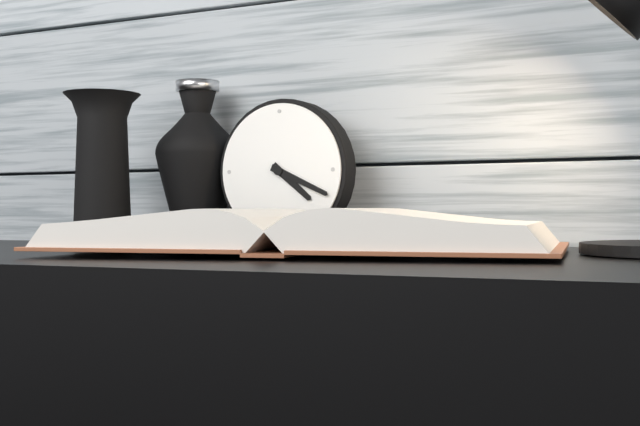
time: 4:19
